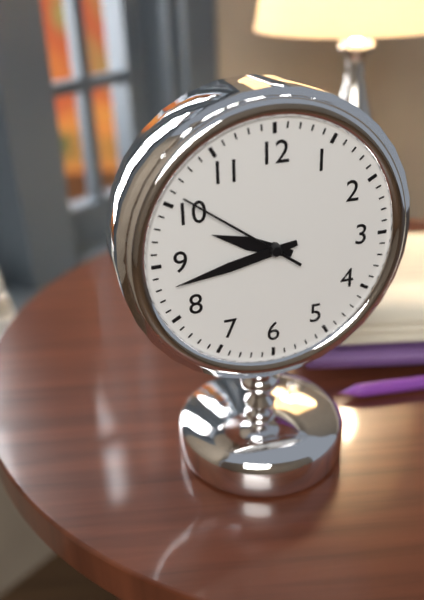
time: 9:43:51
